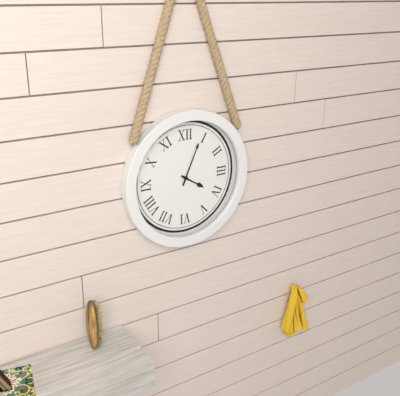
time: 4:04
